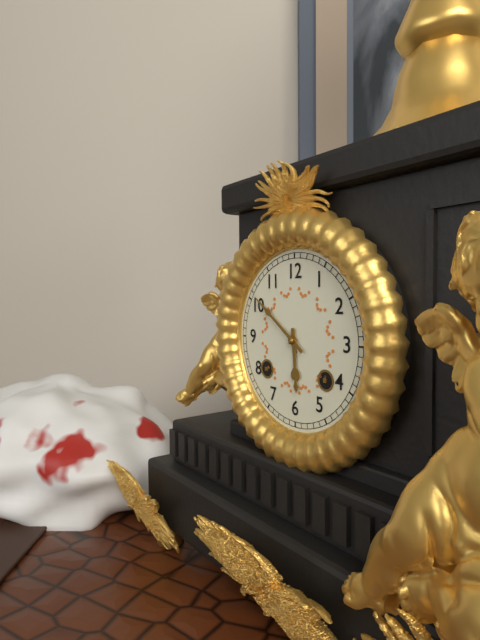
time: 5:51
